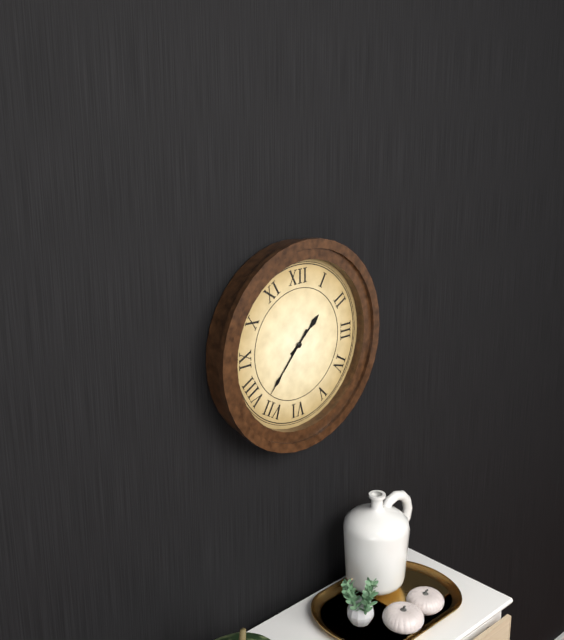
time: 1:37
